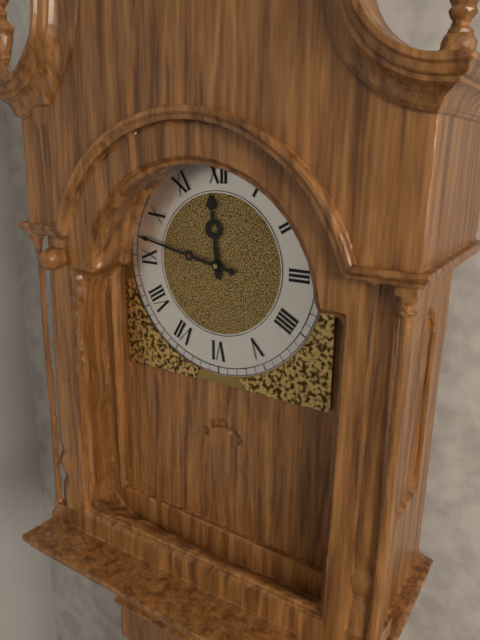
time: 11:47
